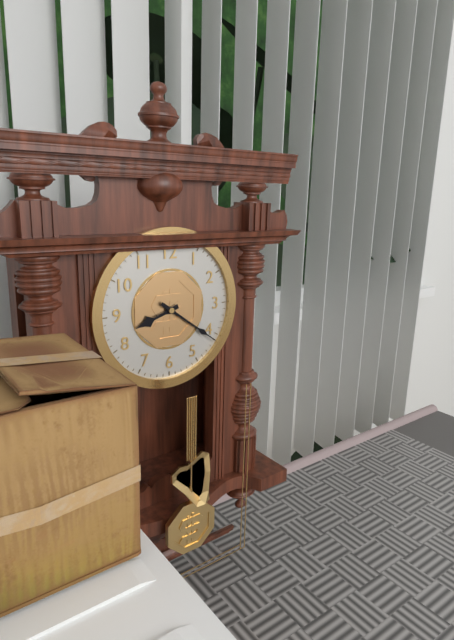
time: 8:21
